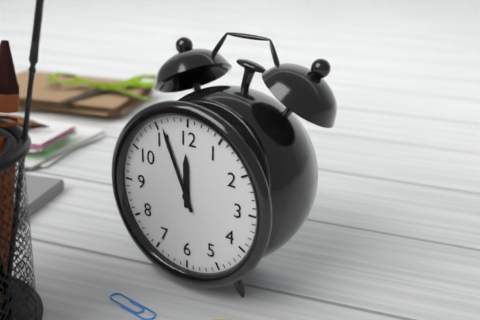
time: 11:56
